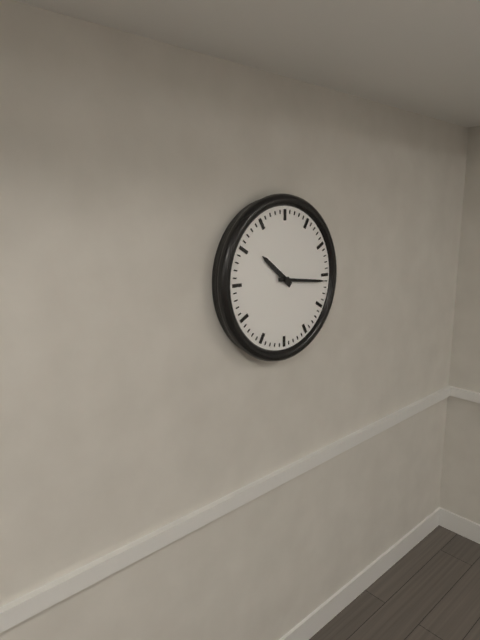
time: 10:16
